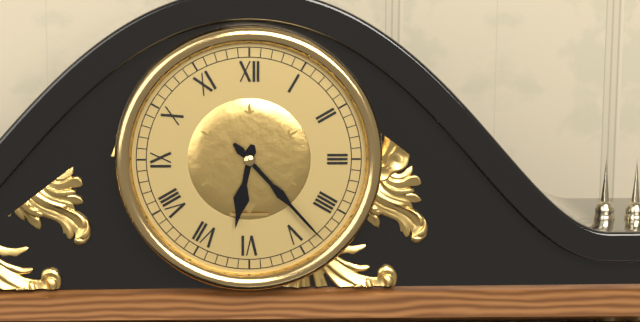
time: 6:23
